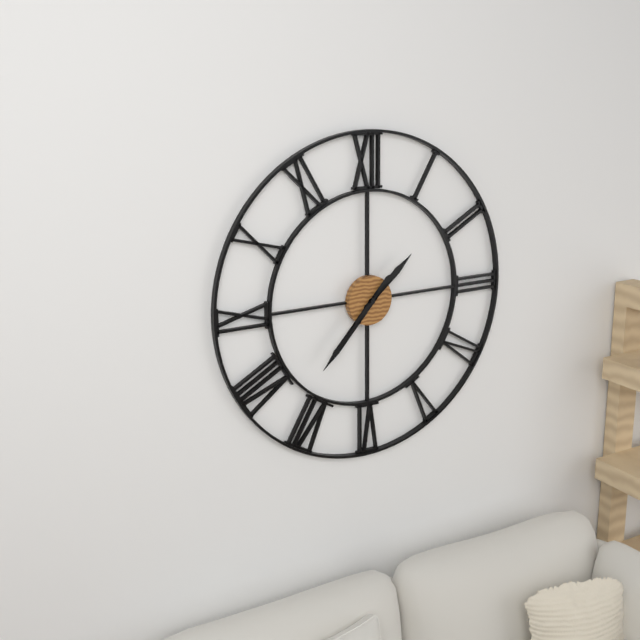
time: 1:37
